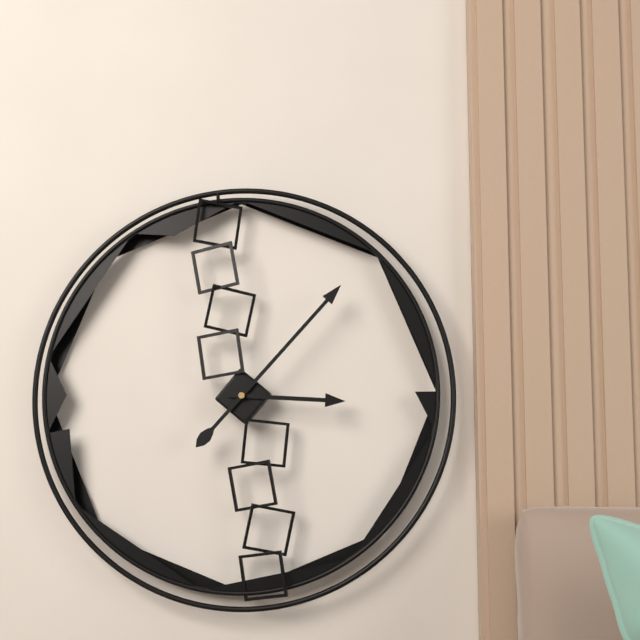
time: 3:07
